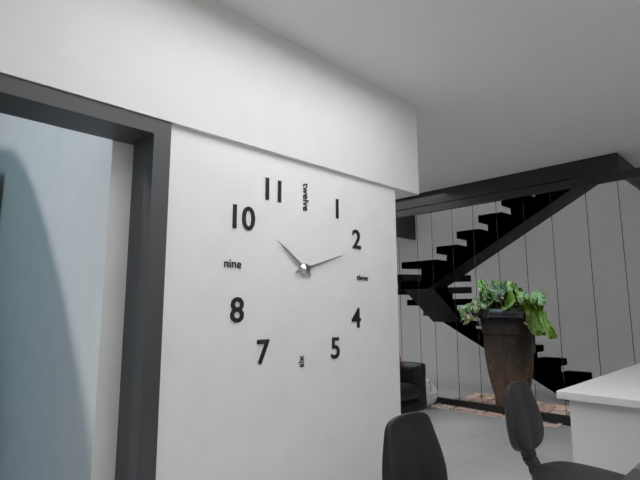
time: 10:12
